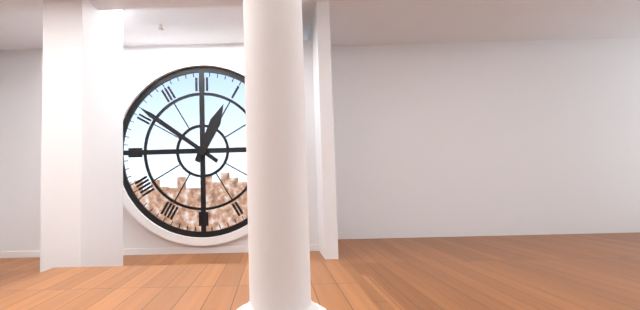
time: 12:51
